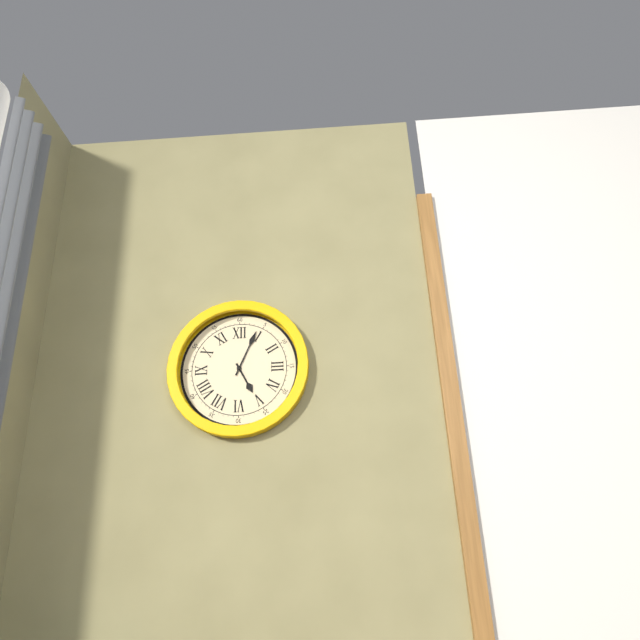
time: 5:04
